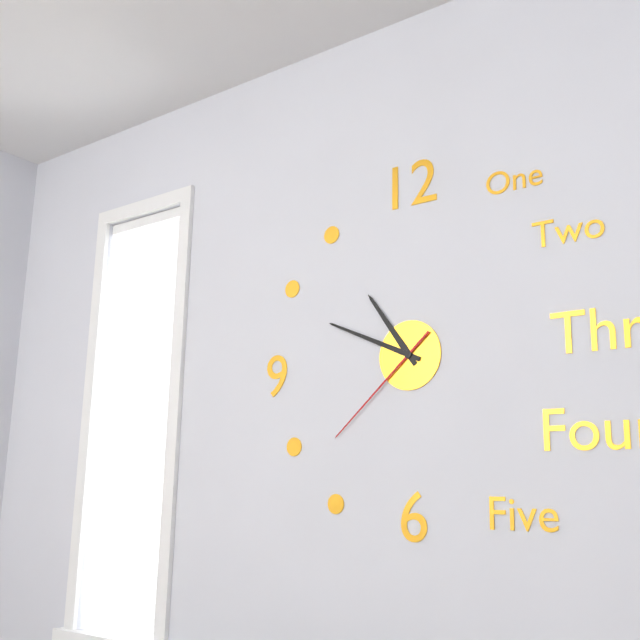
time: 10:49:38
